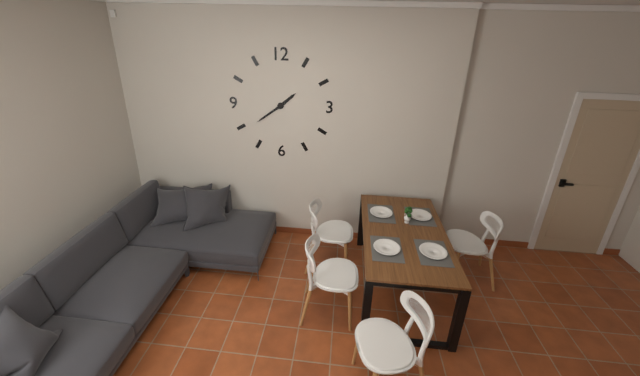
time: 1:39
